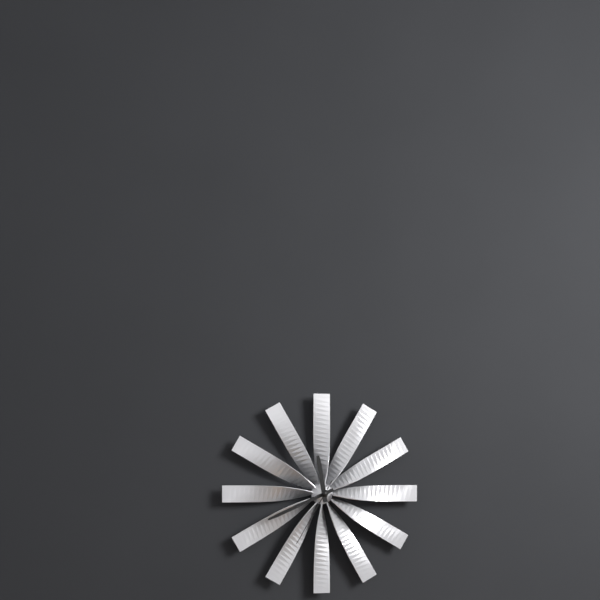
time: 11:41:35
